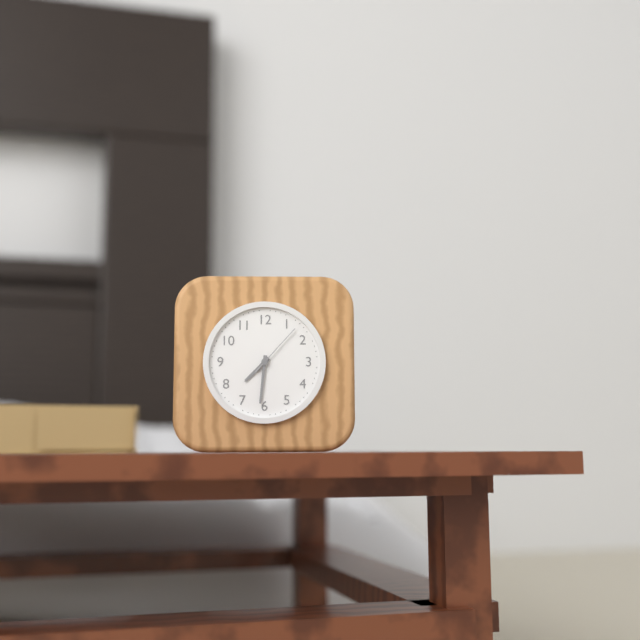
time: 7:31:07
